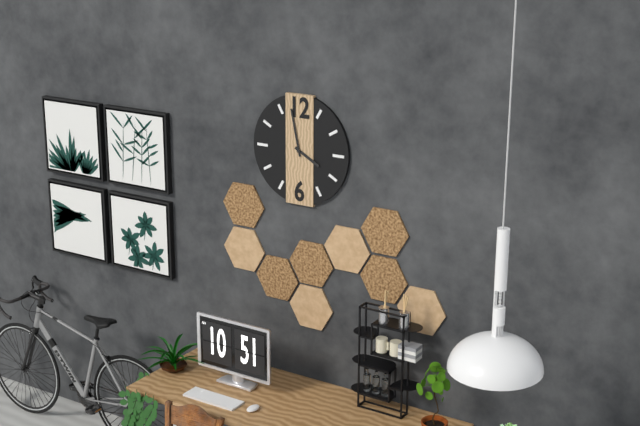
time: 3:58
